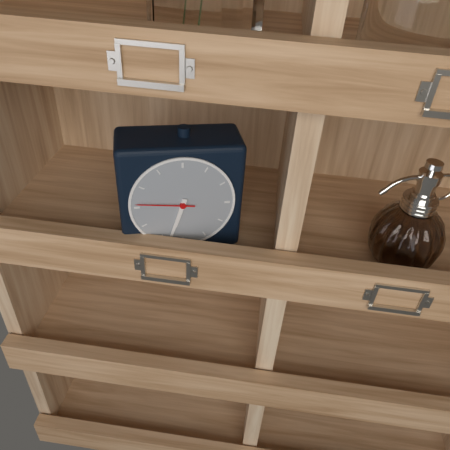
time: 6:33:46
